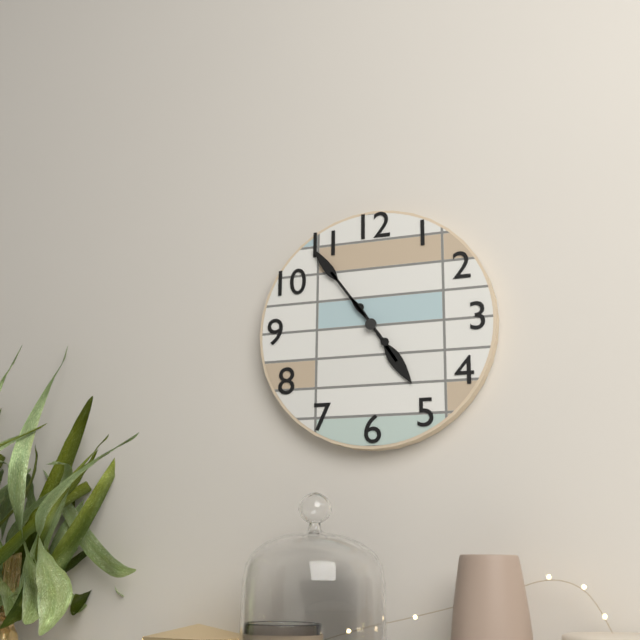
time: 4:54
